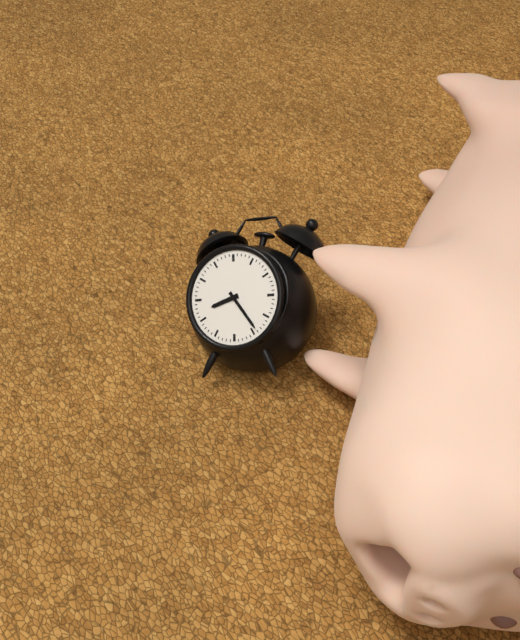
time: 8:24
